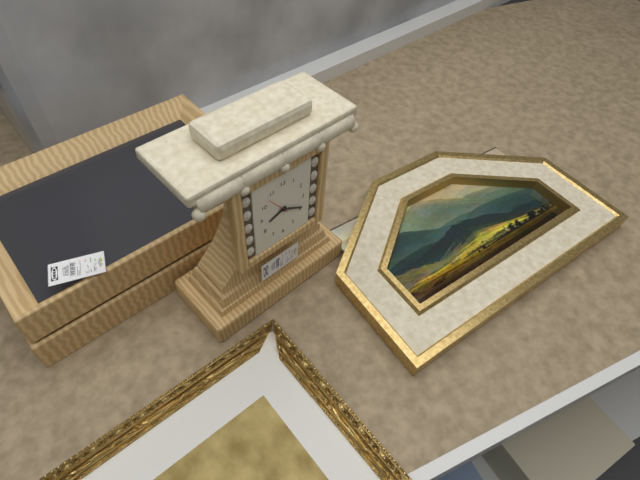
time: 8:20
